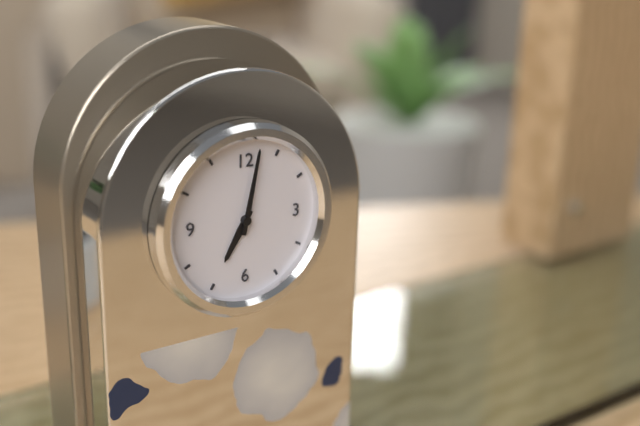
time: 7:02
